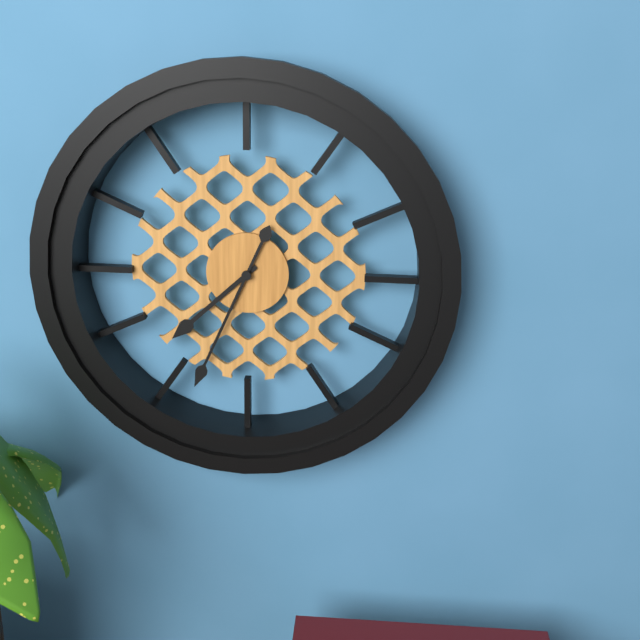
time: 7:34
